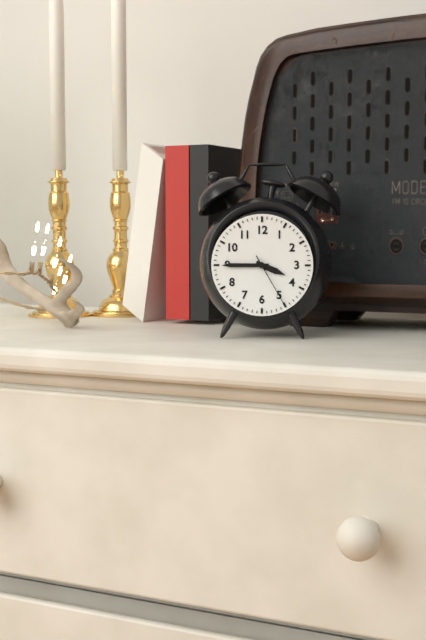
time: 3:45:25
